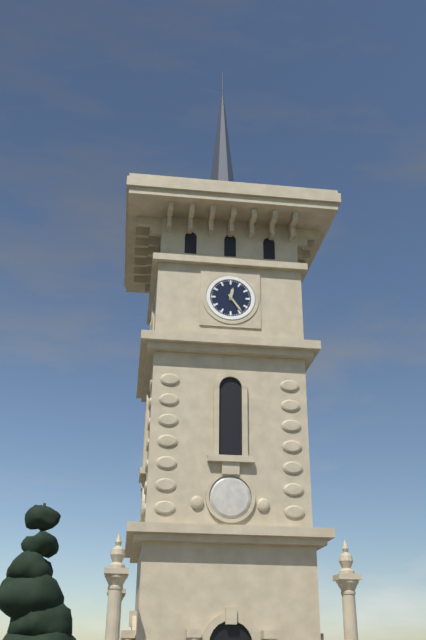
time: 12:24
